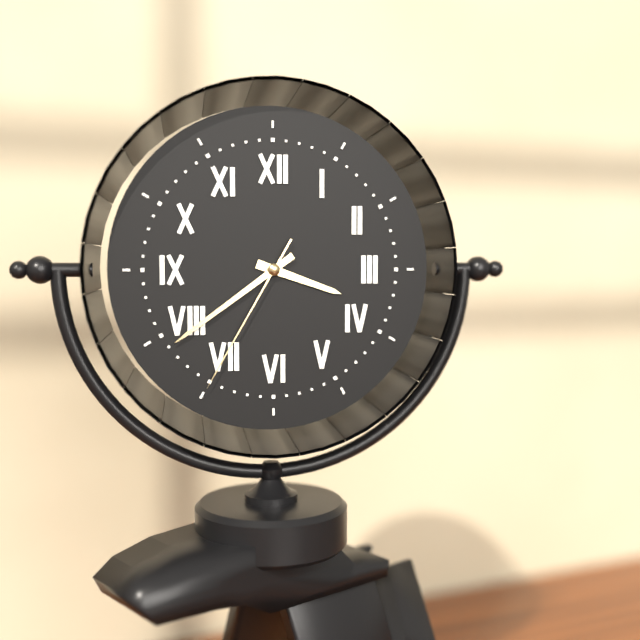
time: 3:39:35
